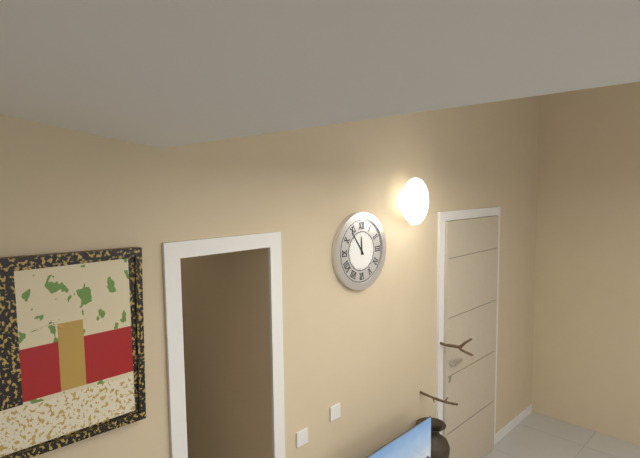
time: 11:54
